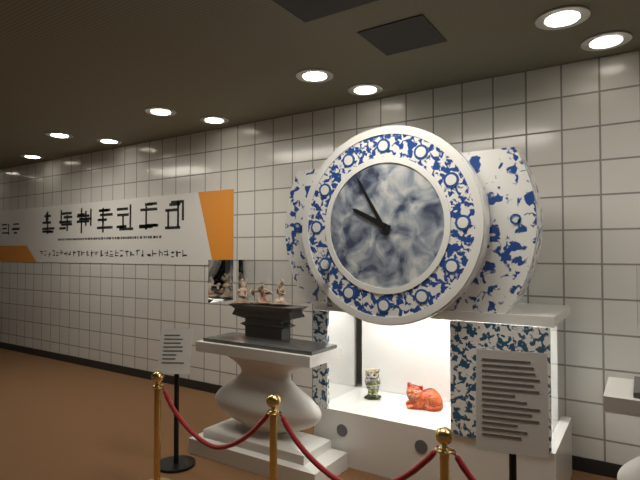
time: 9:55
